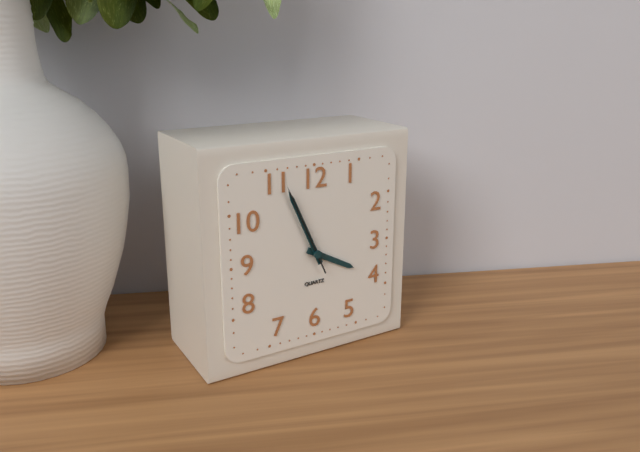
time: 3:56:56
